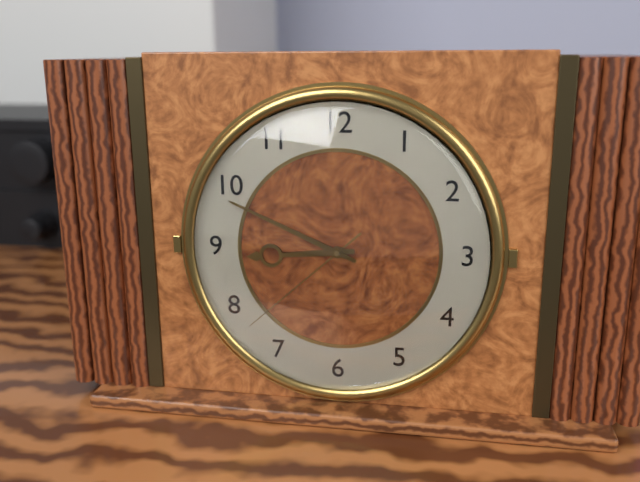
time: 8:49:38
